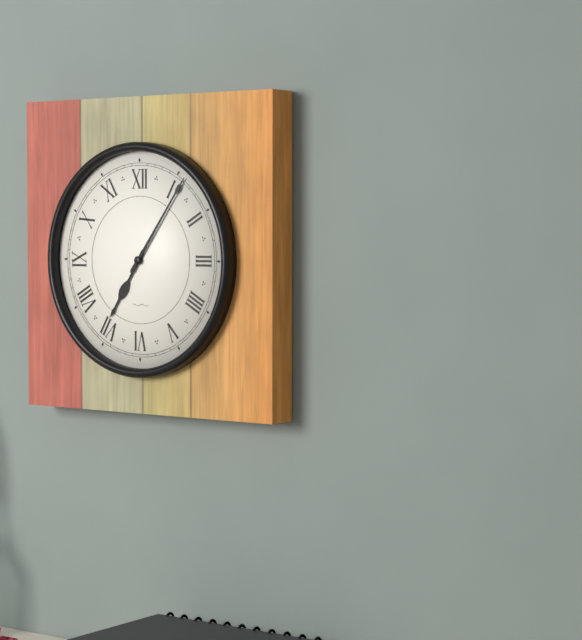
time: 7:06
